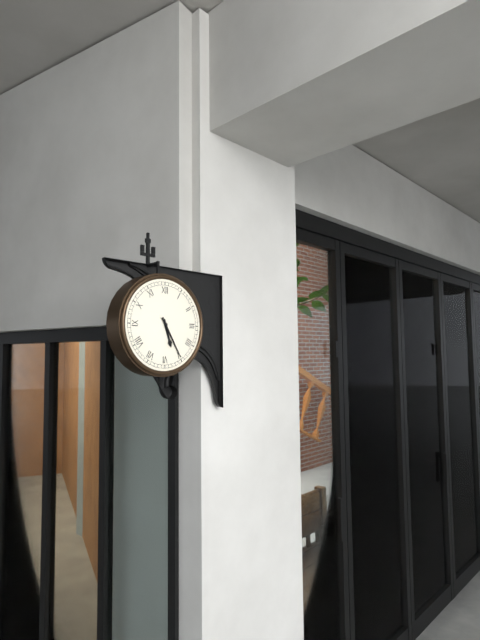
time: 5:25
